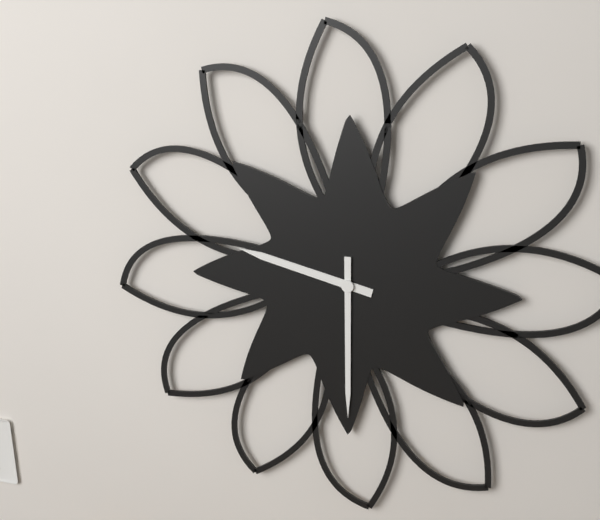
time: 9:30
